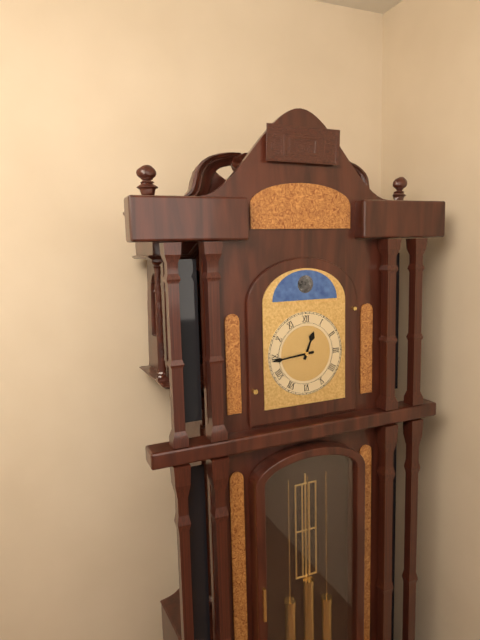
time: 12:44
